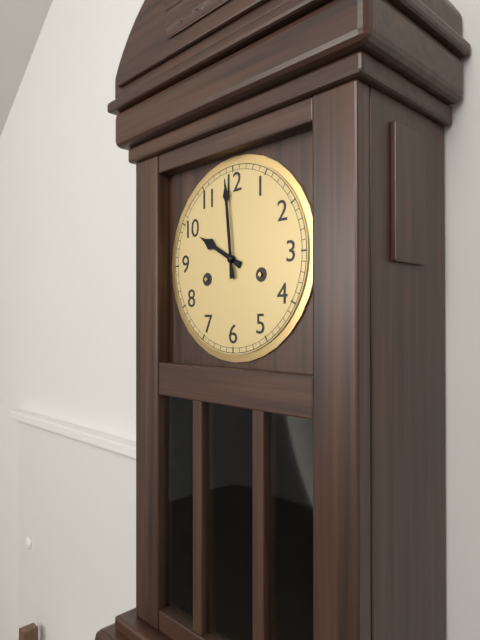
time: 9:59
